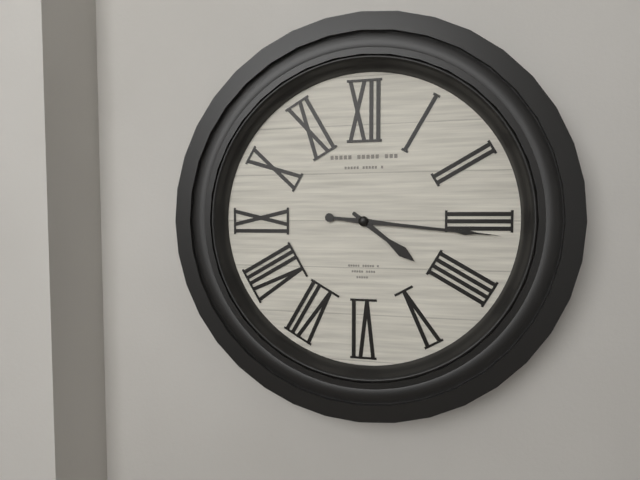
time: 4:16
